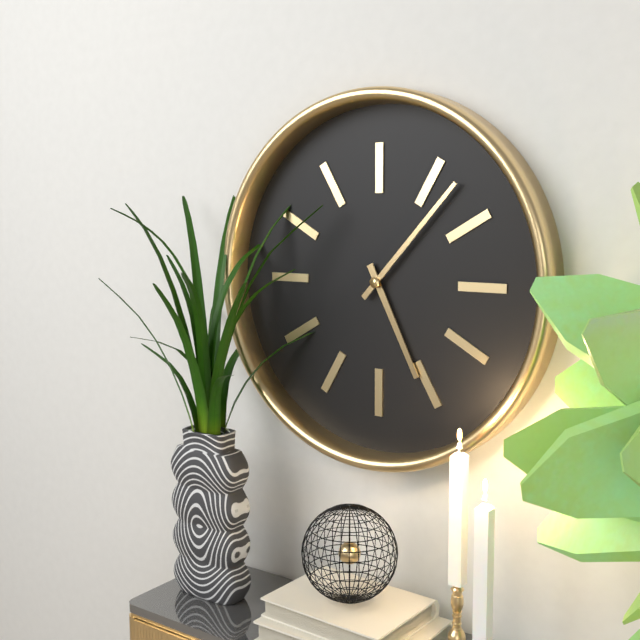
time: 5:07
